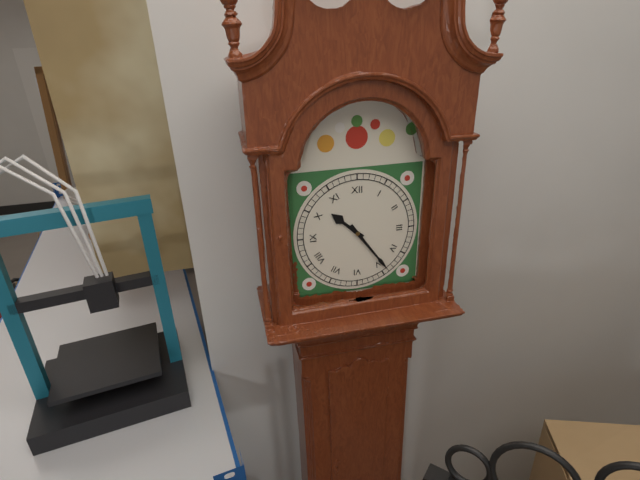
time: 10:24
